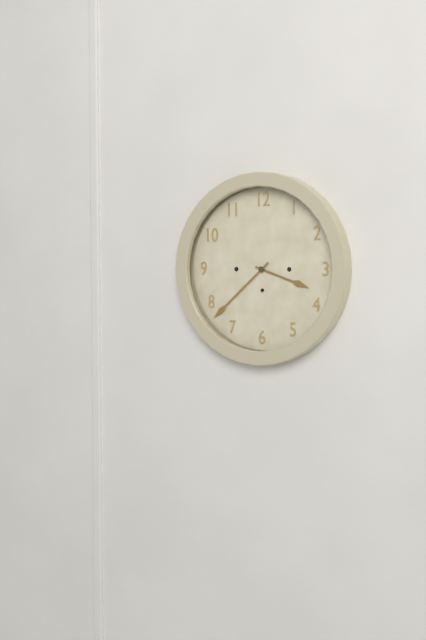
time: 3:38
